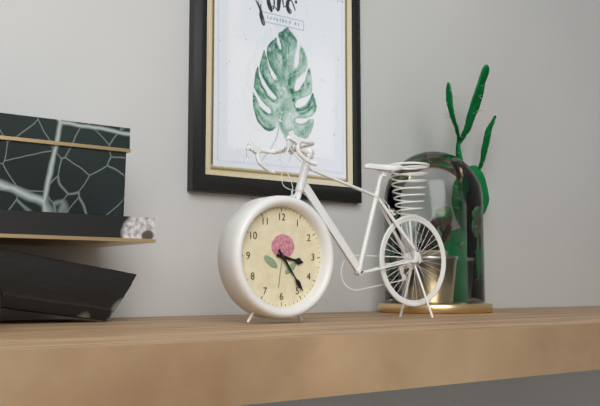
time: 3:24
